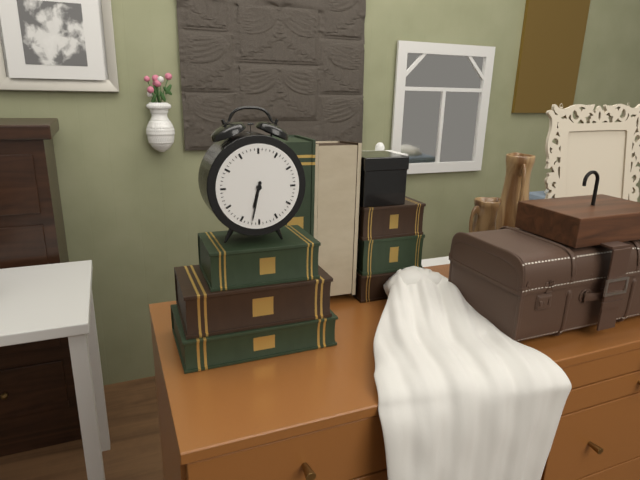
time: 6:32
